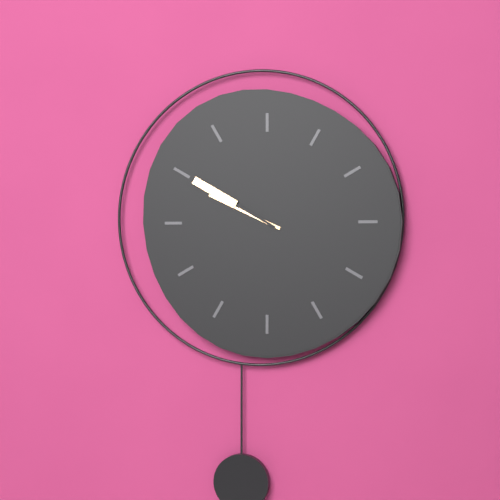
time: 9:50
